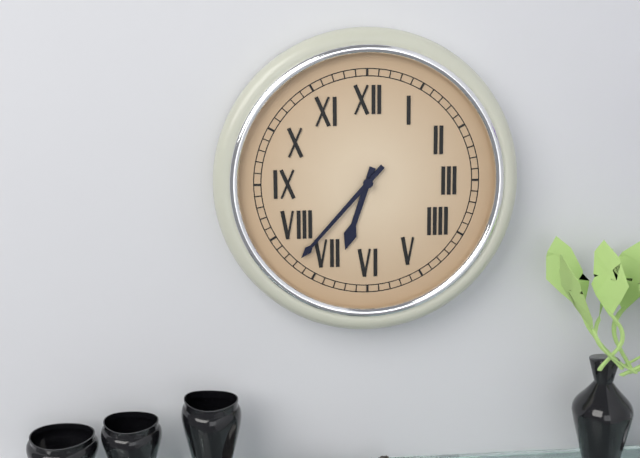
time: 6:37
